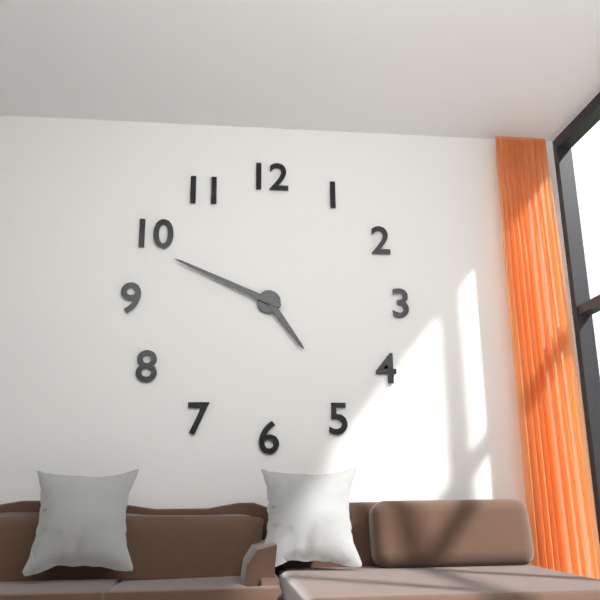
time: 4:49
